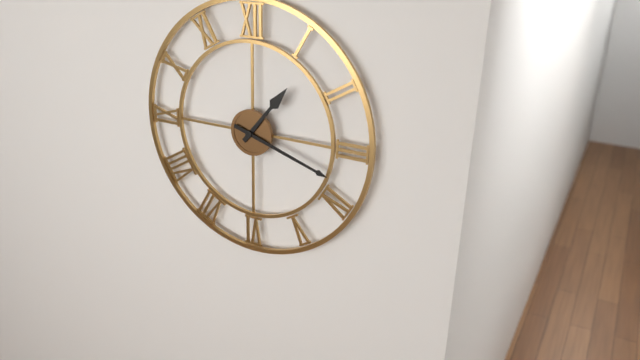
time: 1:18
